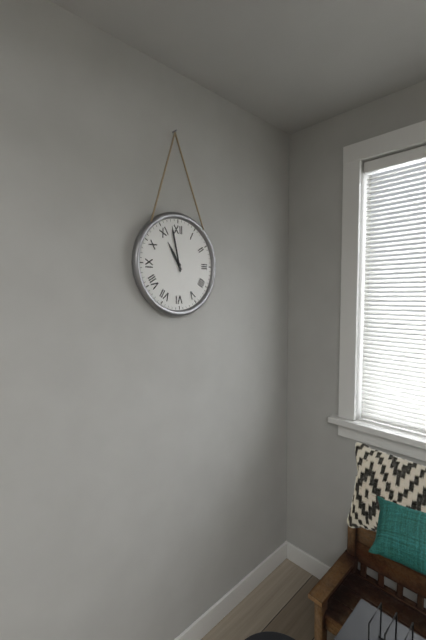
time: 10:58
